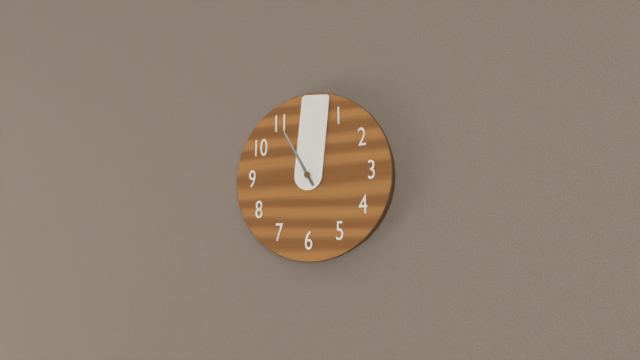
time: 11:01
